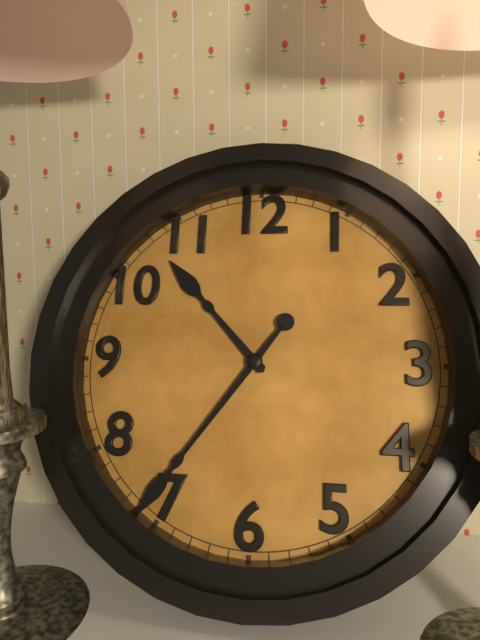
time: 10:36
